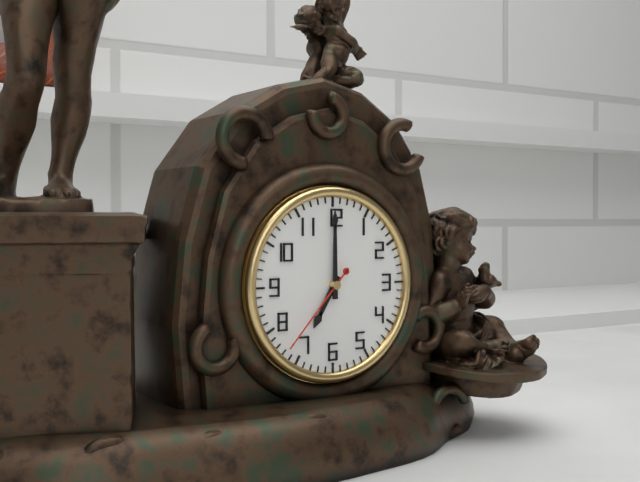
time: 7:00:37
